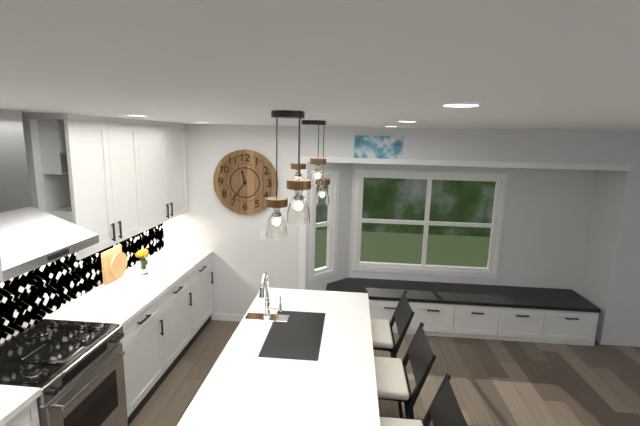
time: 11:36
